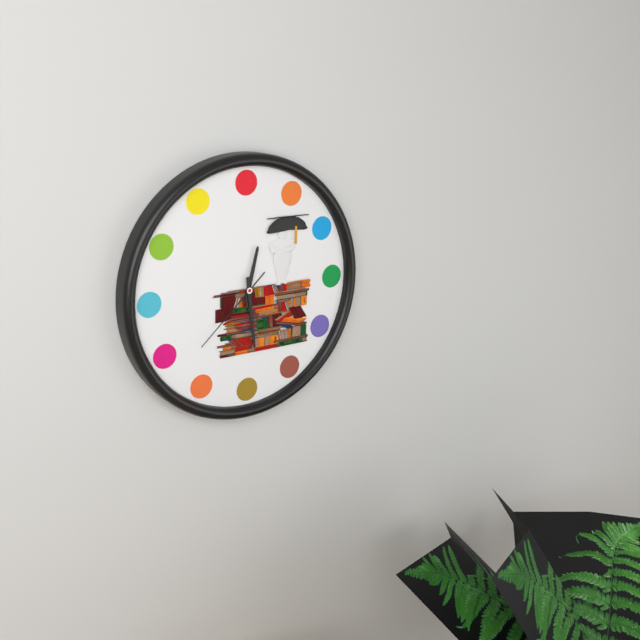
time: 12:29:38
